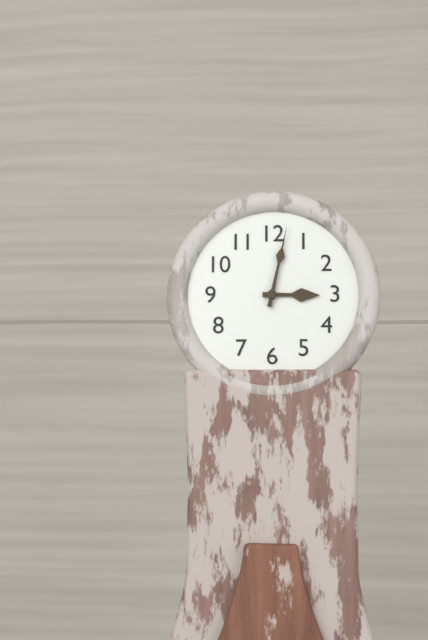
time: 3:02
